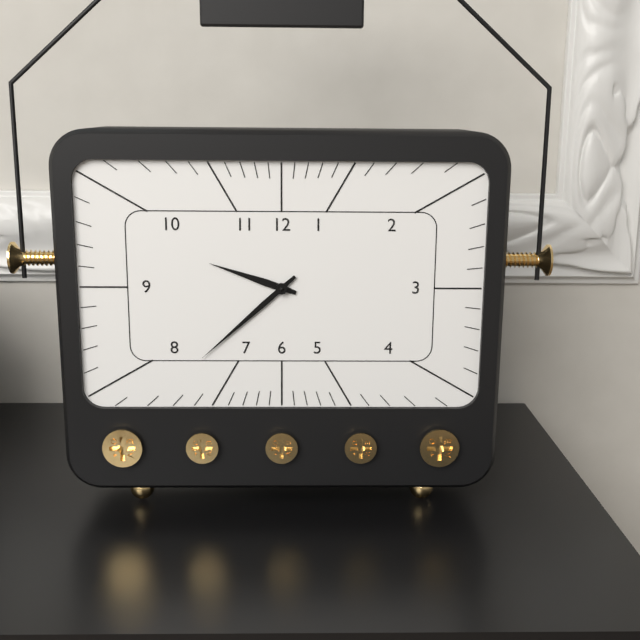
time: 9:38
